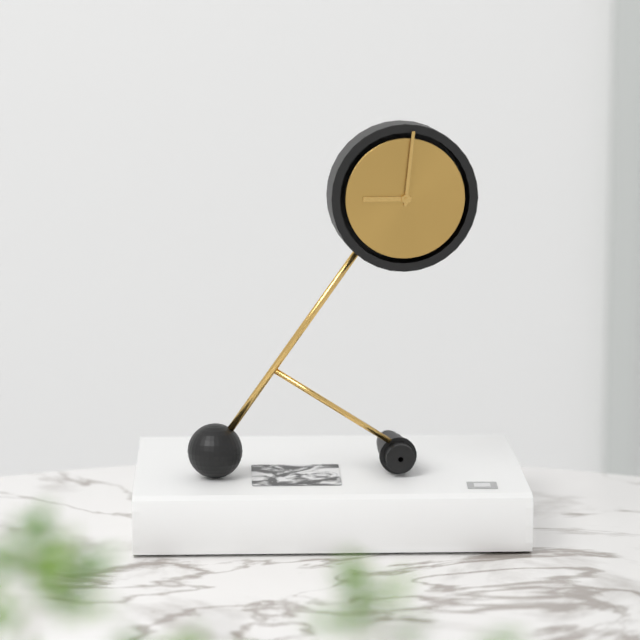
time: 9:01
